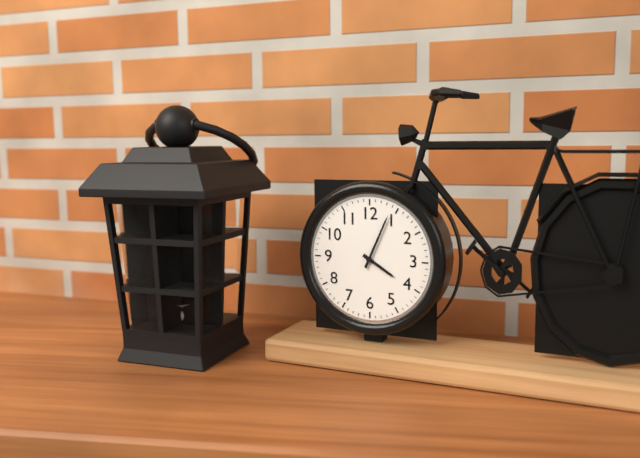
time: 4:04
